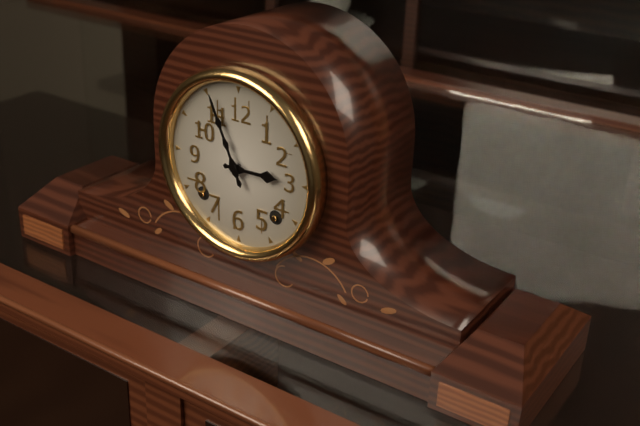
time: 2:56
